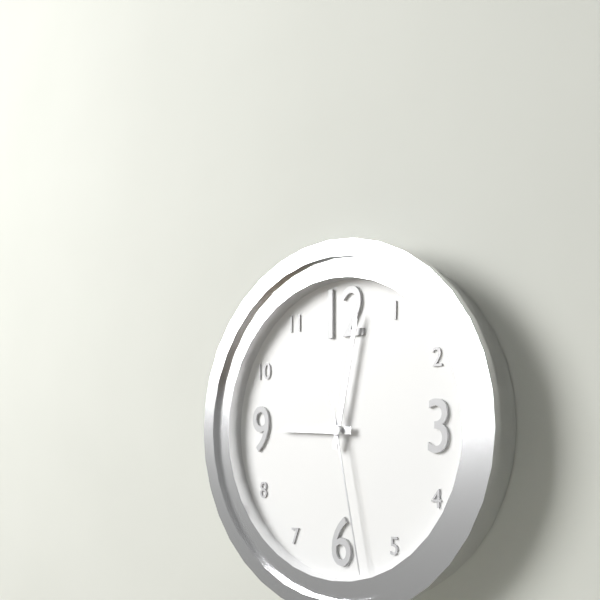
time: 9:02:28
